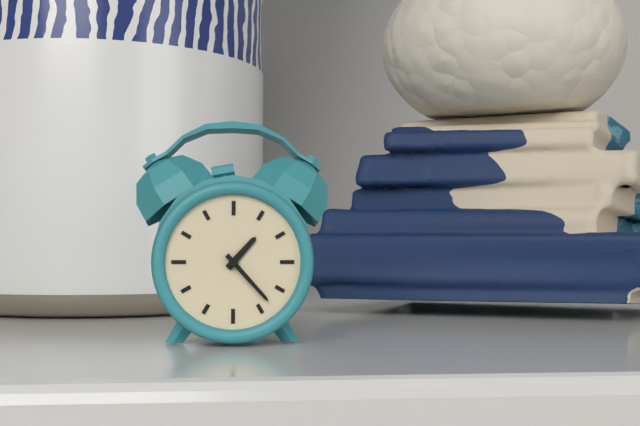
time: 1:23
